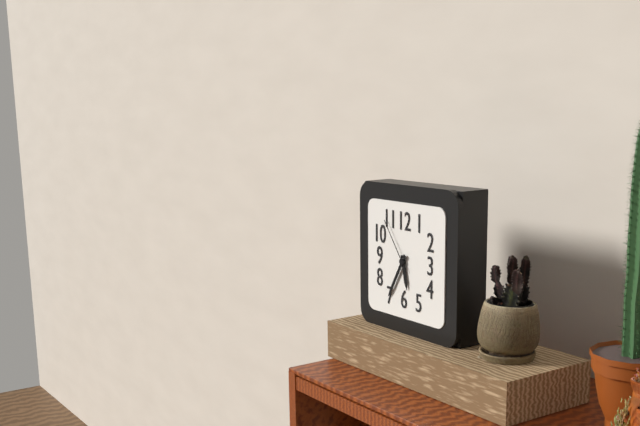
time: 5:35:54
